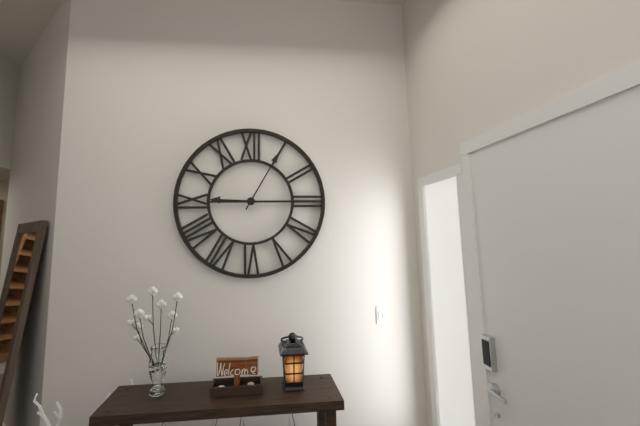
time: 9:05
